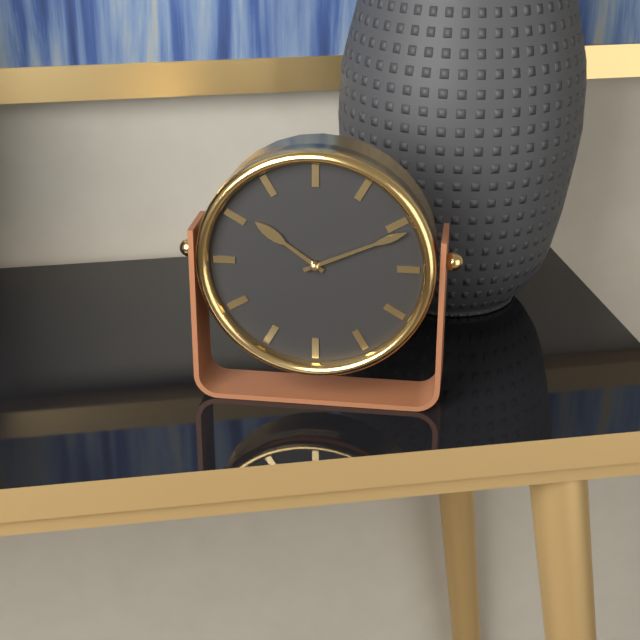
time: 10:11
